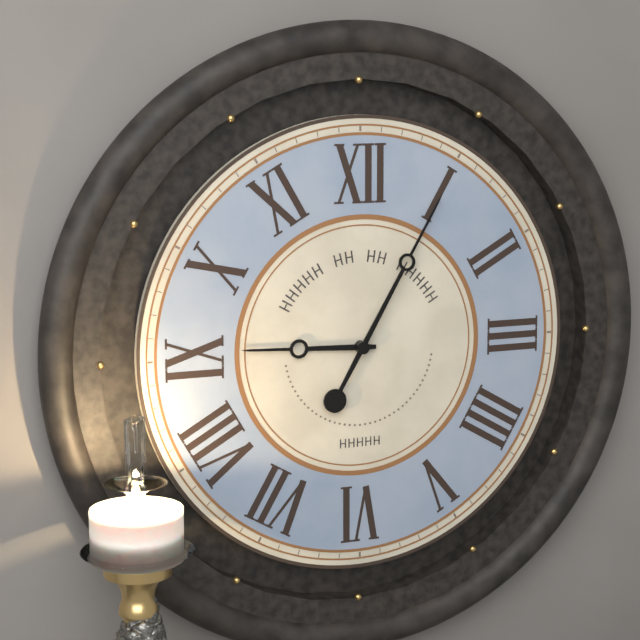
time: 9:05
